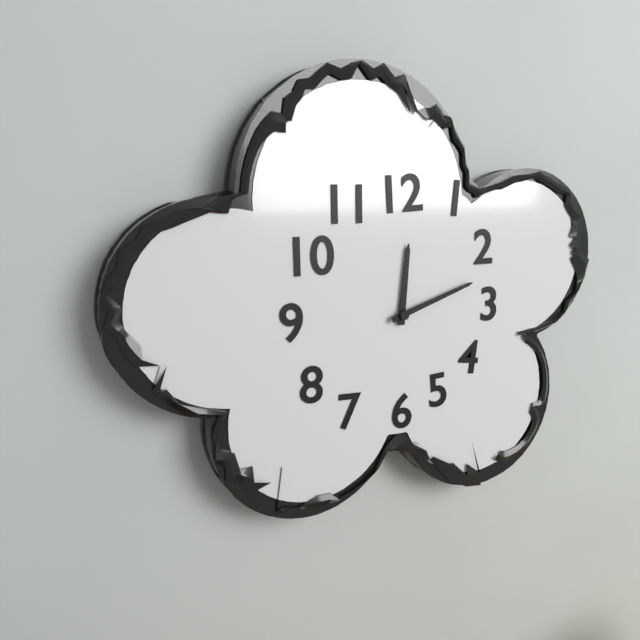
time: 12:12
